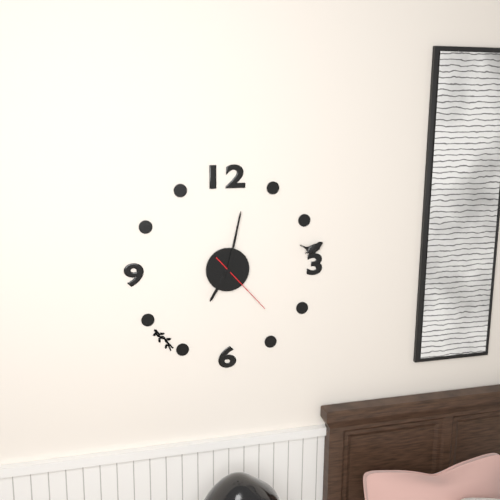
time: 7:02:23
